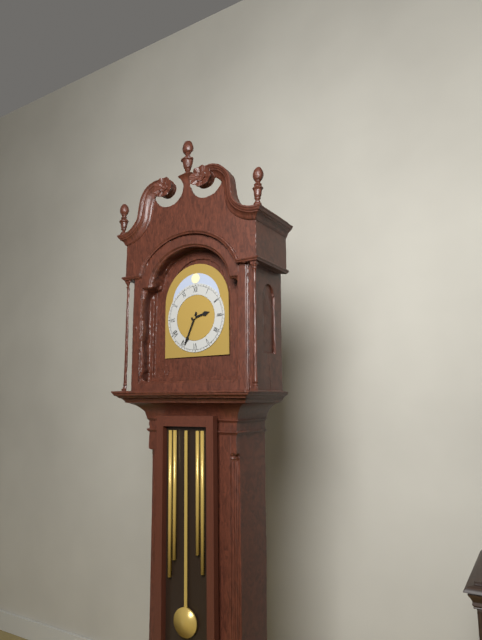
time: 2:34
